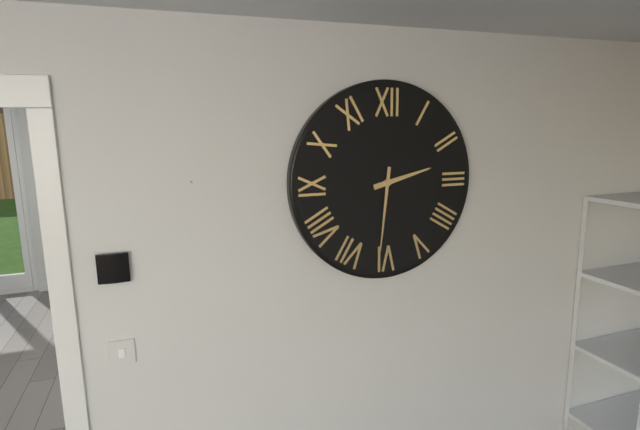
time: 2:31
